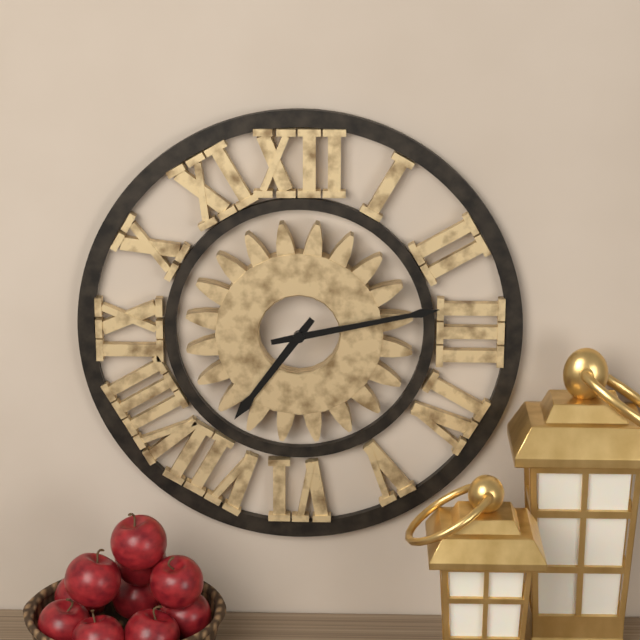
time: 7:13
